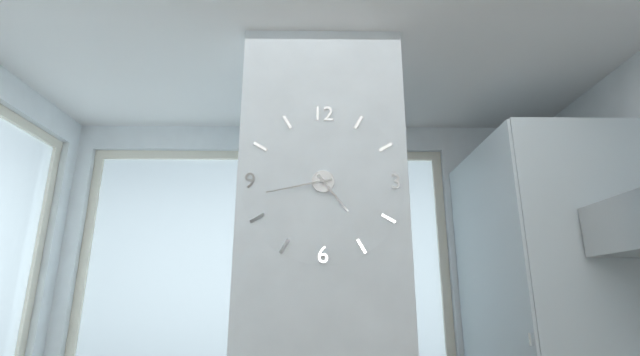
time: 4:43
